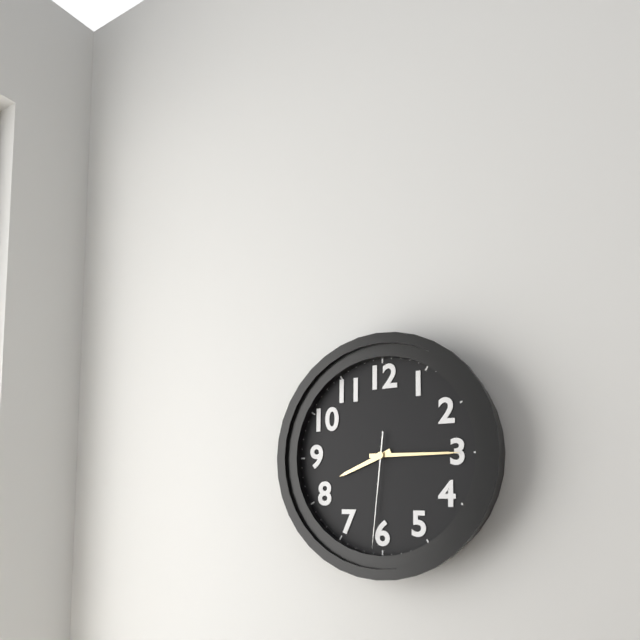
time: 8:15:31
